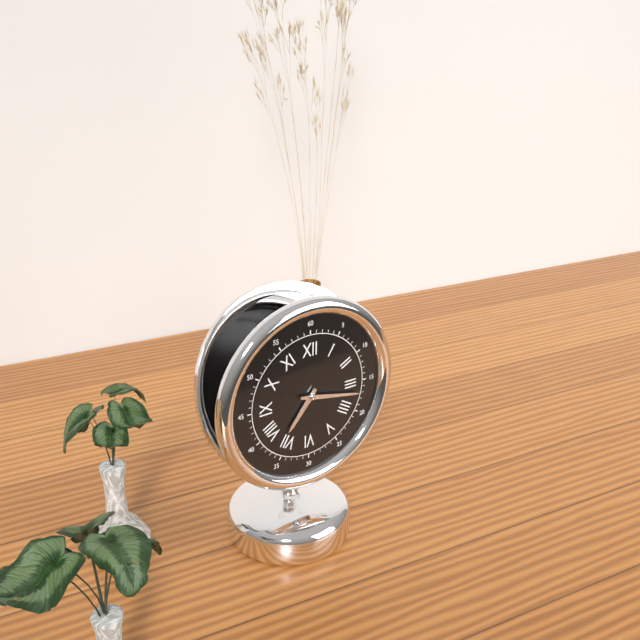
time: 7:17
